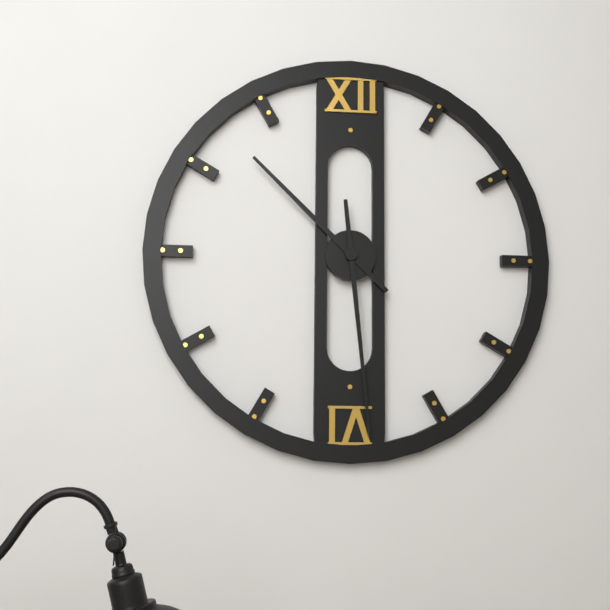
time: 10:29
